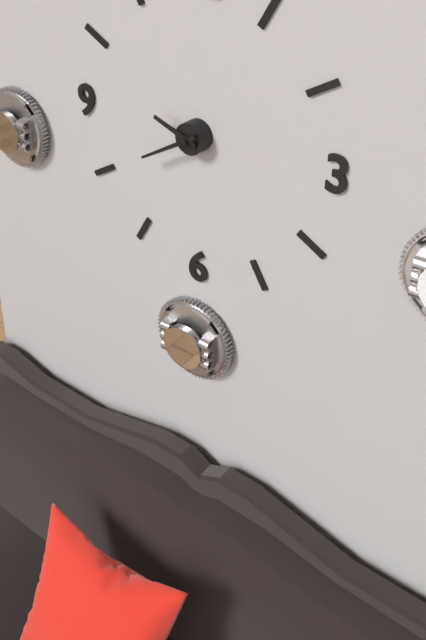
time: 9:40
